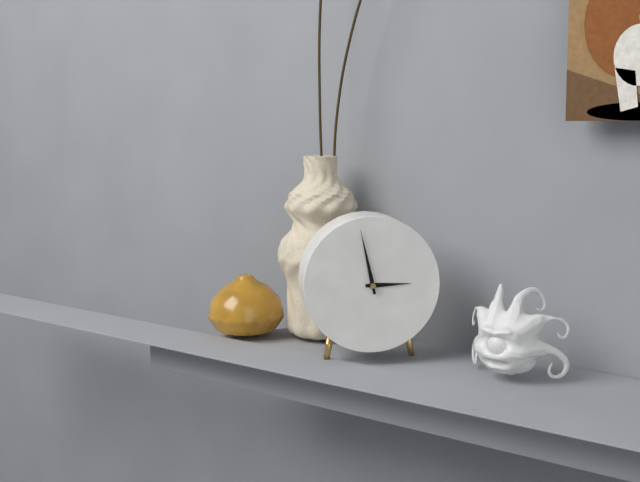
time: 2:58
